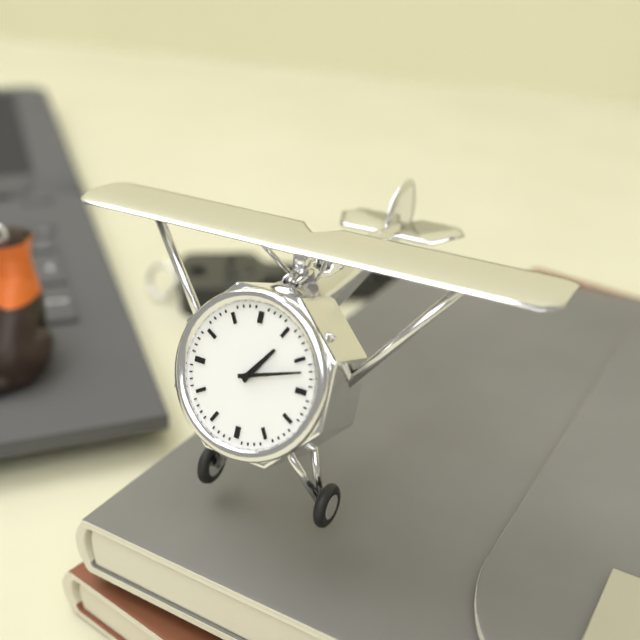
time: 1:12
